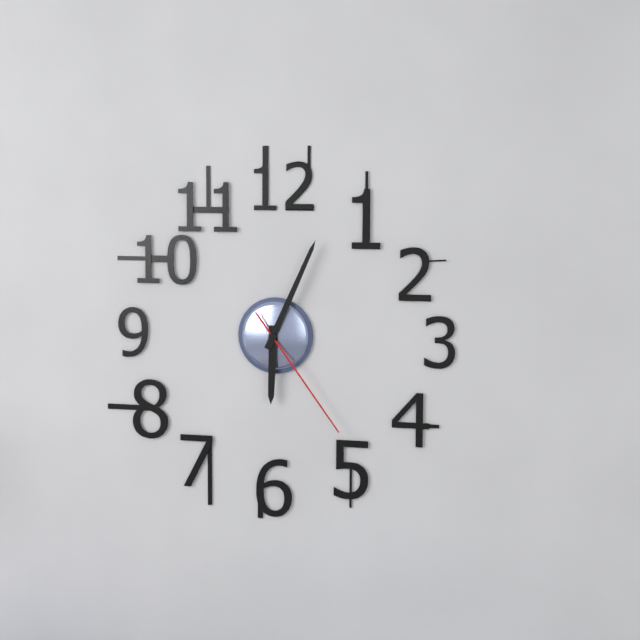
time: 6:04:24
